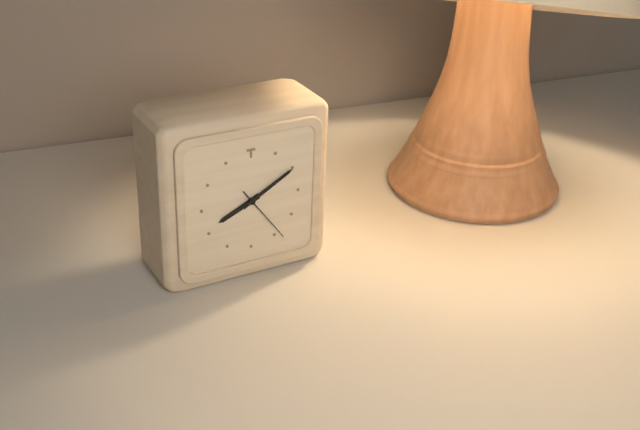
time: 8:10:24
